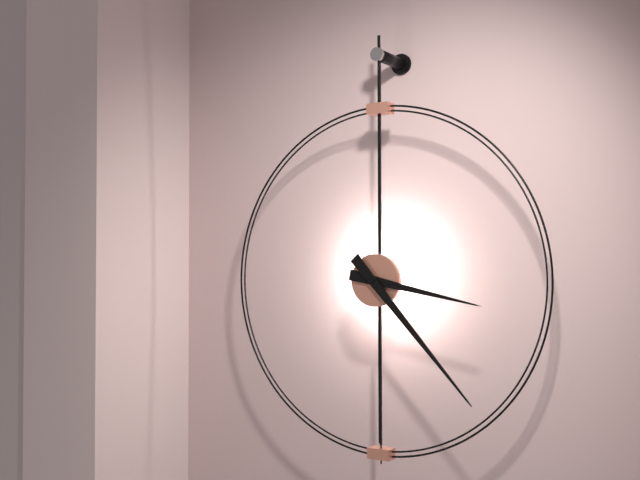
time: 3:23
